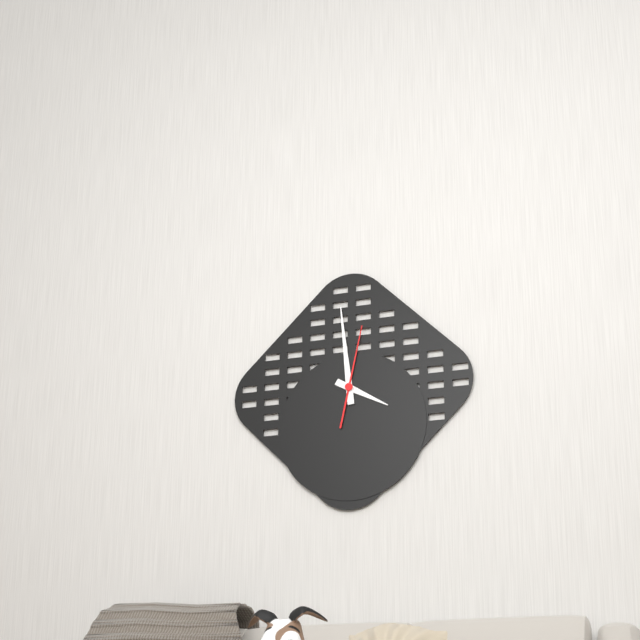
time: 3:59:02
